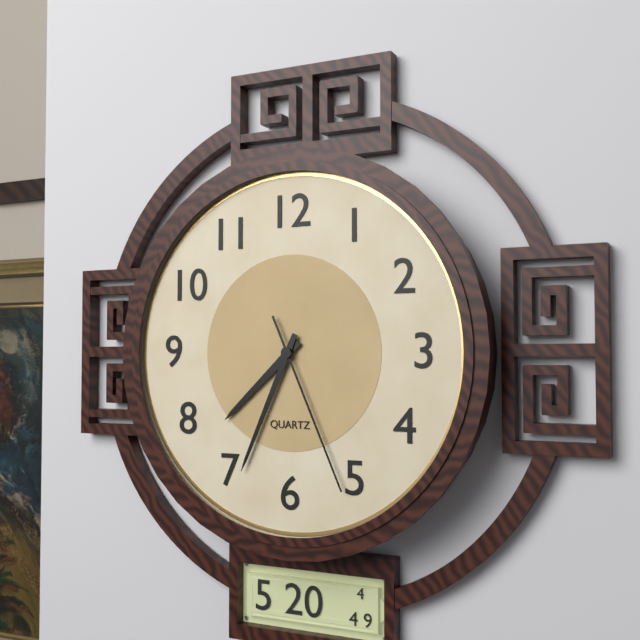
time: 7:34:26
